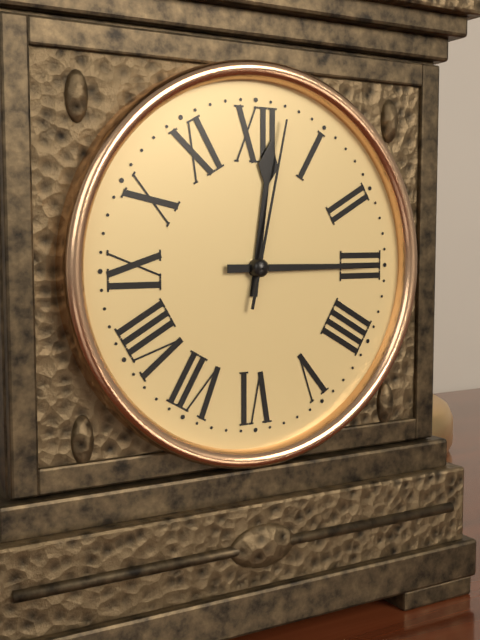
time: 12:15:02
